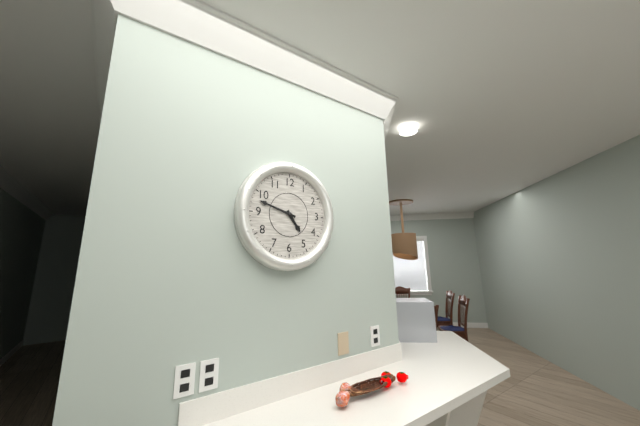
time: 4:48
